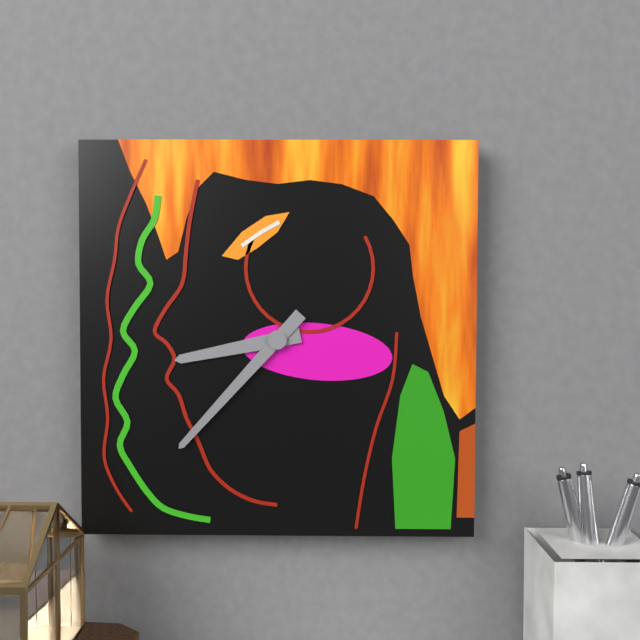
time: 8:37
